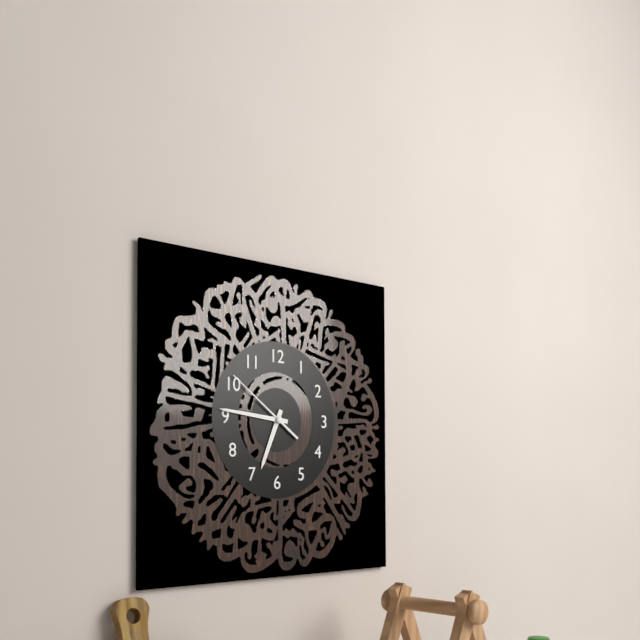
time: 6:46:51
